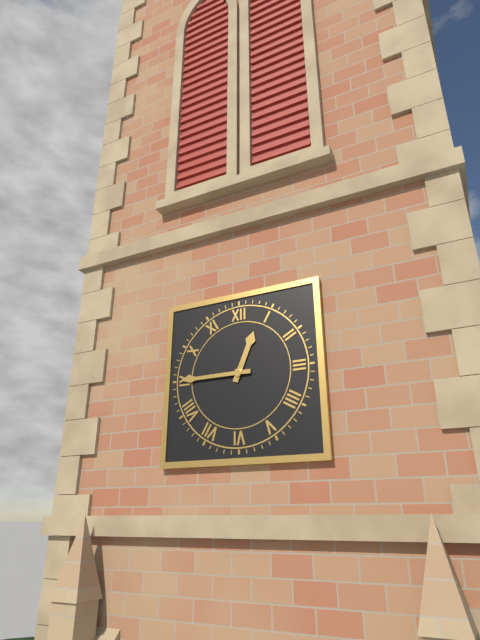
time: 12:45
